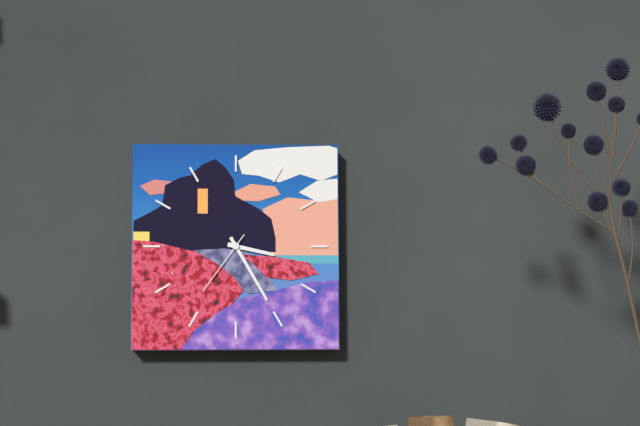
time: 3:25:36
